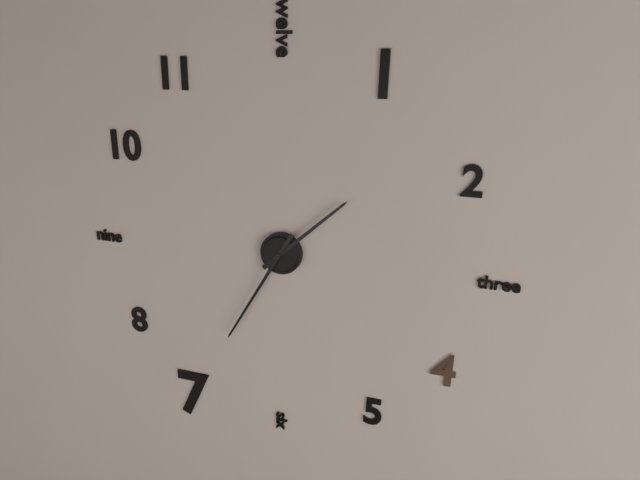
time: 1:35
